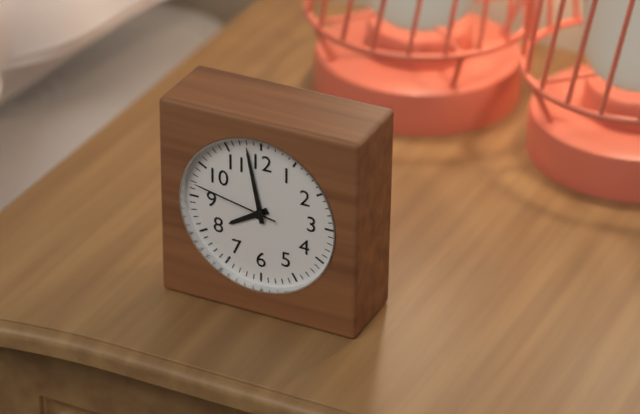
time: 7:58:47
